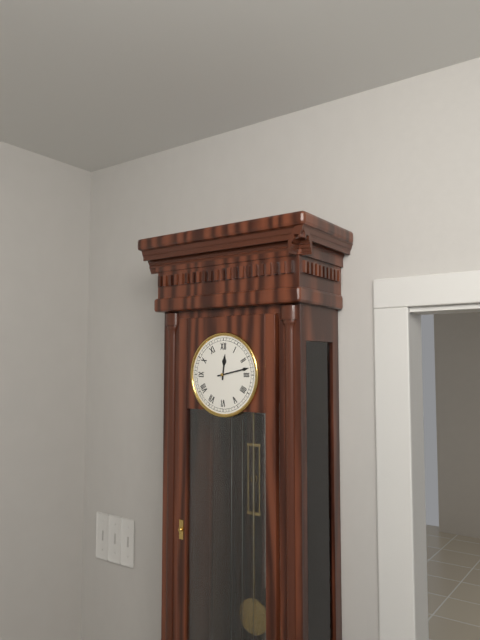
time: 12:13
